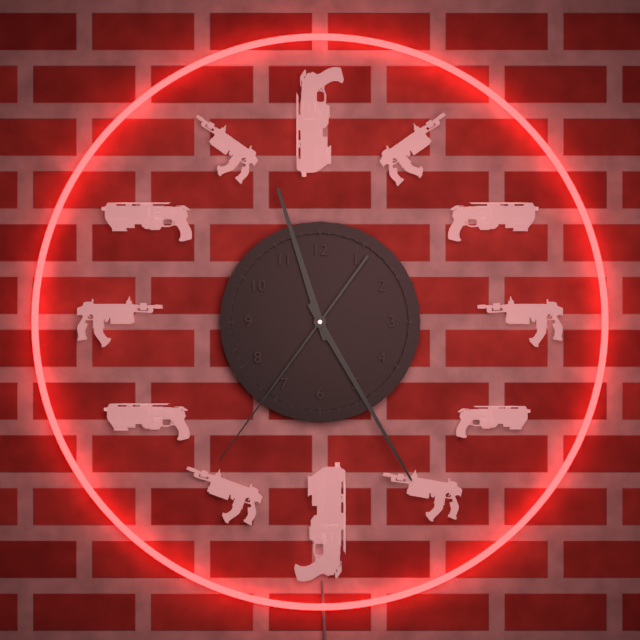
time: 11:25:36
